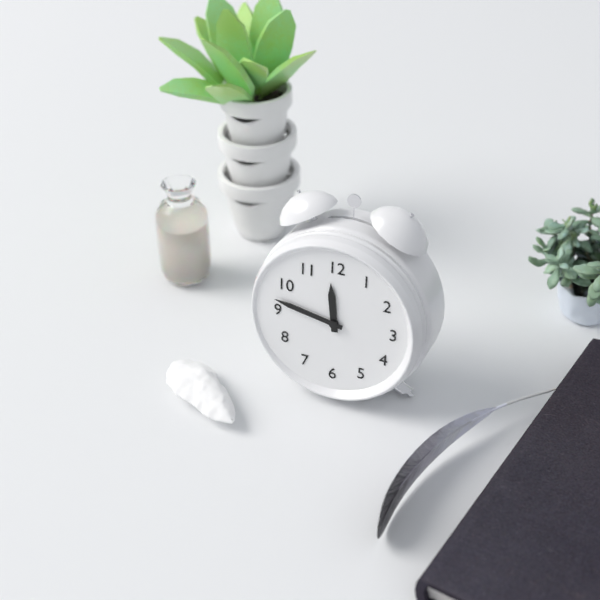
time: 11:47
